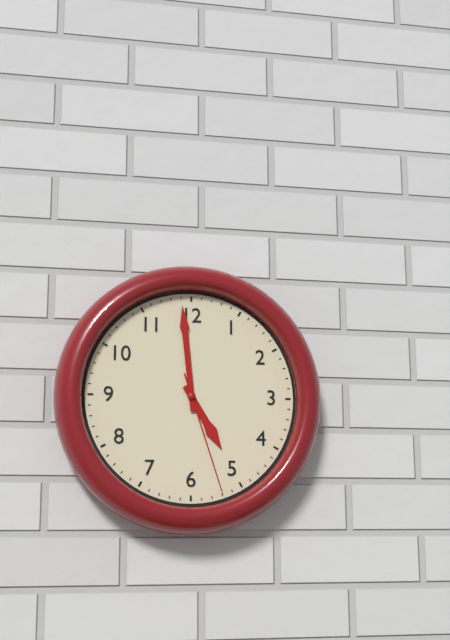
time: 4:59:27
